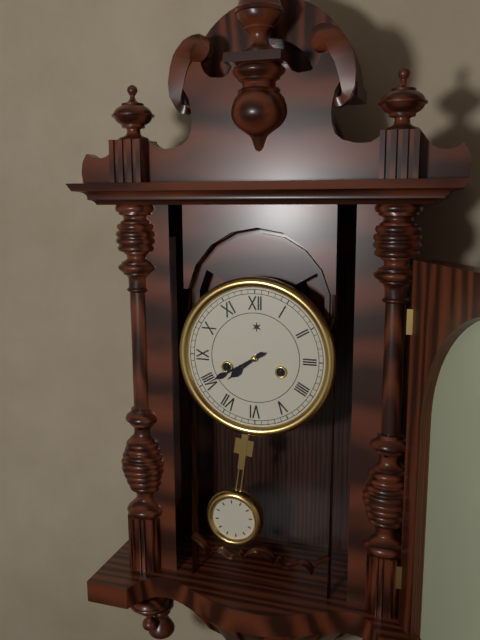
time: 7:40
